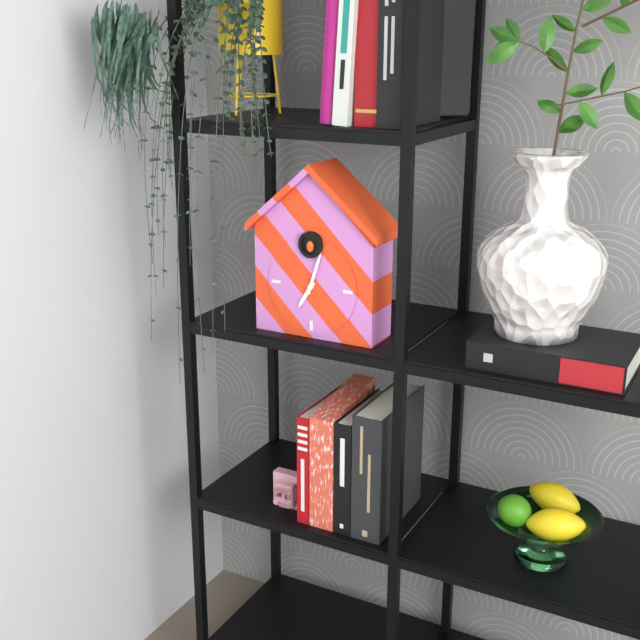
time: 7:03
